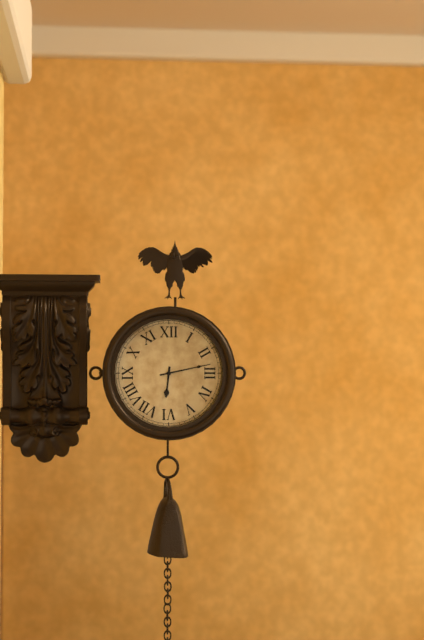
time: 6:13
